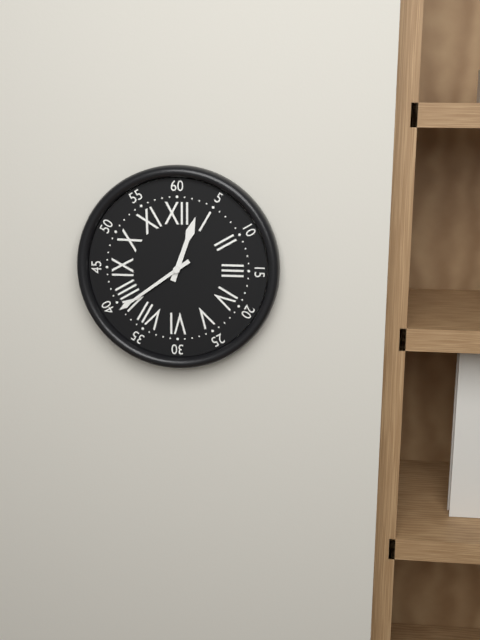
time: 12:39
